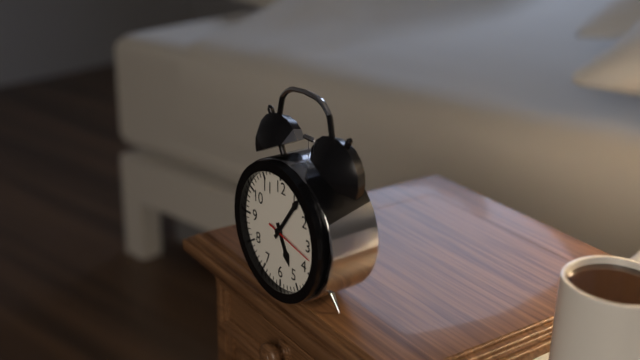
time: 5:06:17
